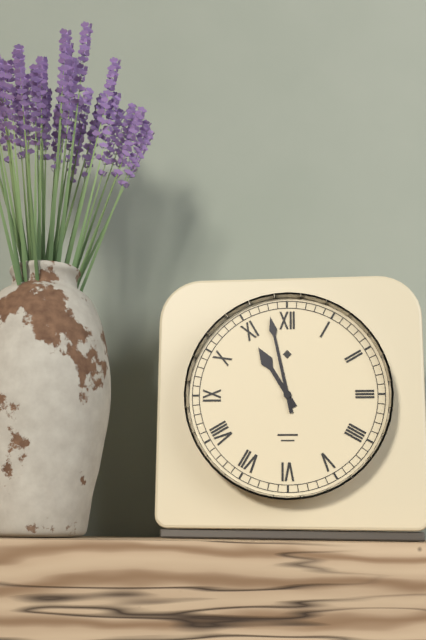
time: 10:58
